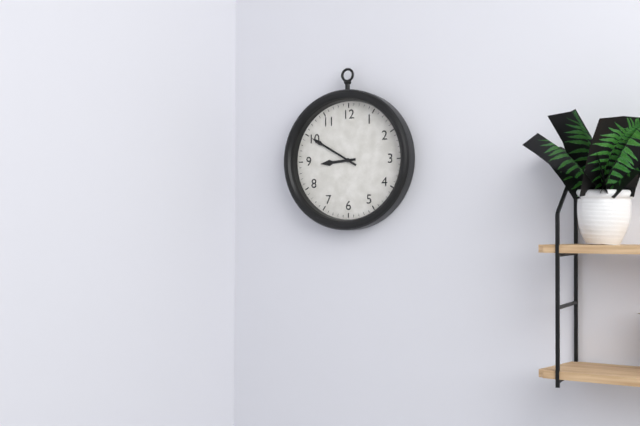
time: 8:50
